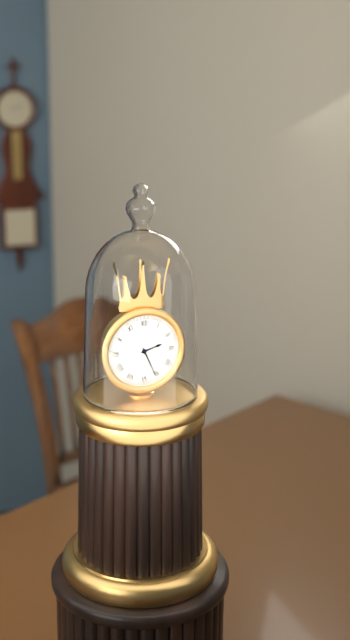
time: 2:26
